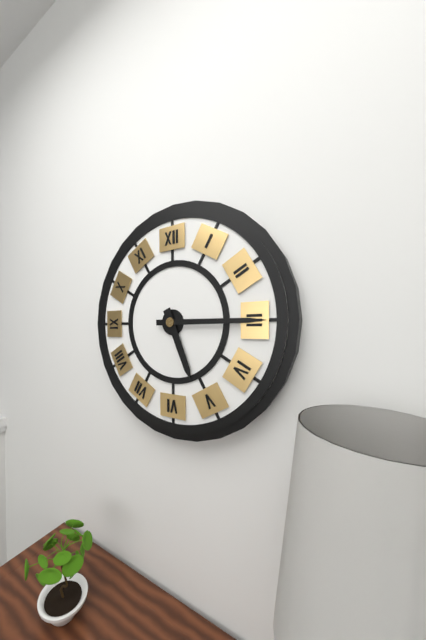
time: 5:15
